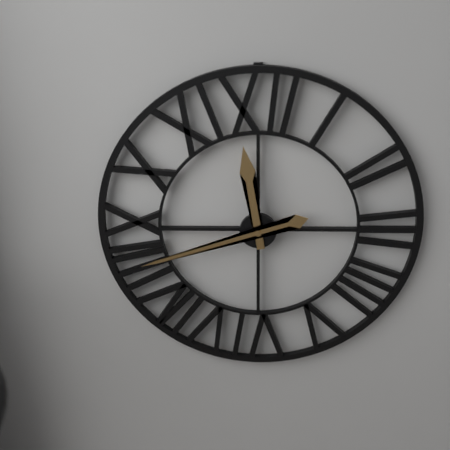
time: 11:42
